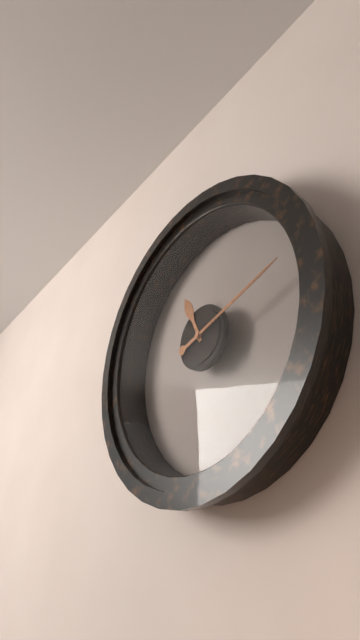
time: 11:12
